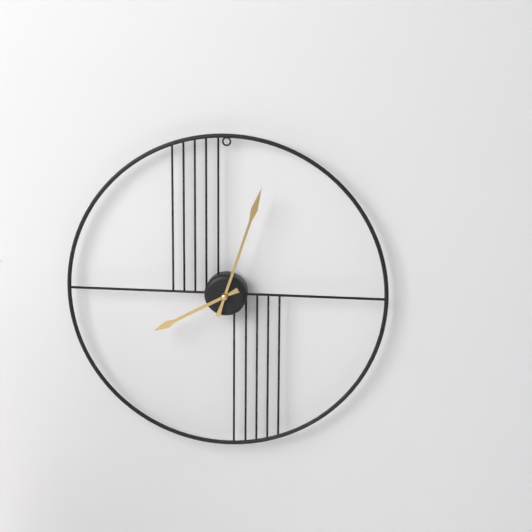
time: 8:03
